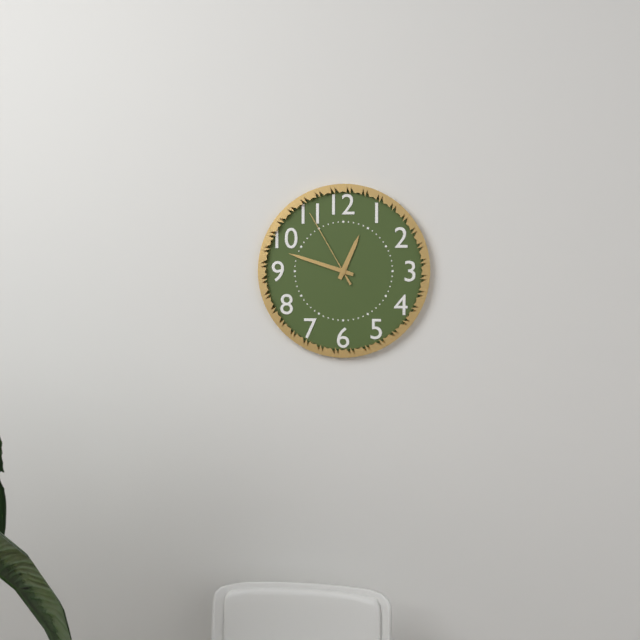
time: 12:48:55
